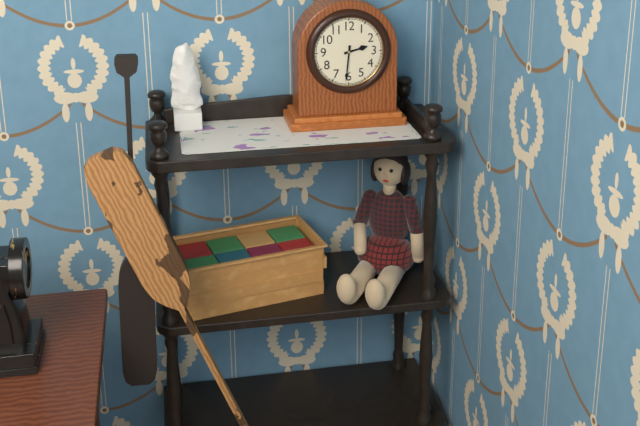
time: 2:31
